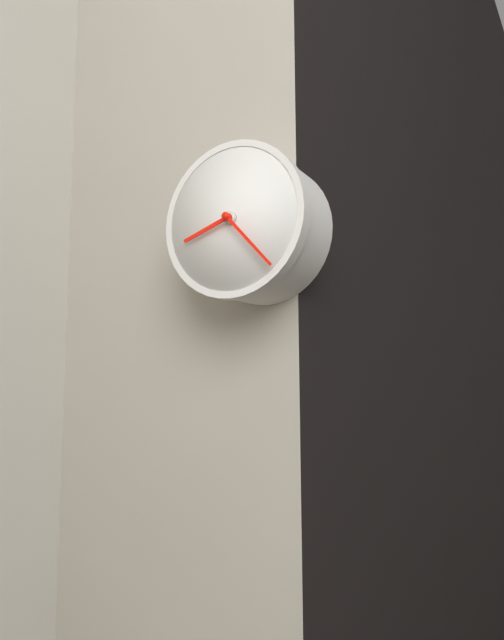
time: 8:23
